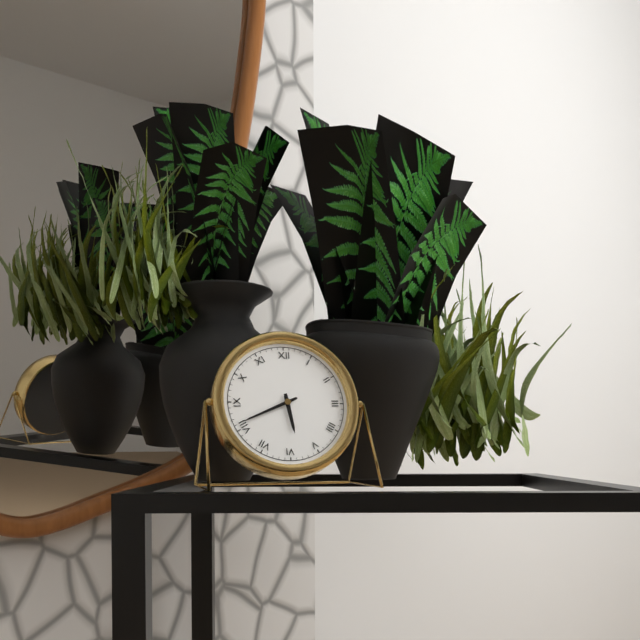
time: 5:41
